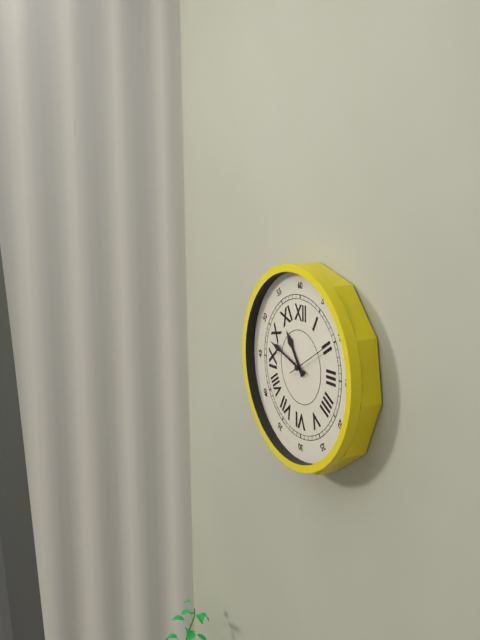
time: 10:48
